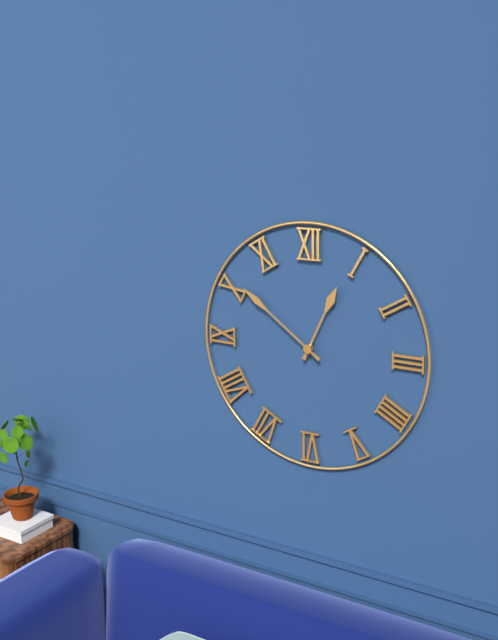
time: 12:51
